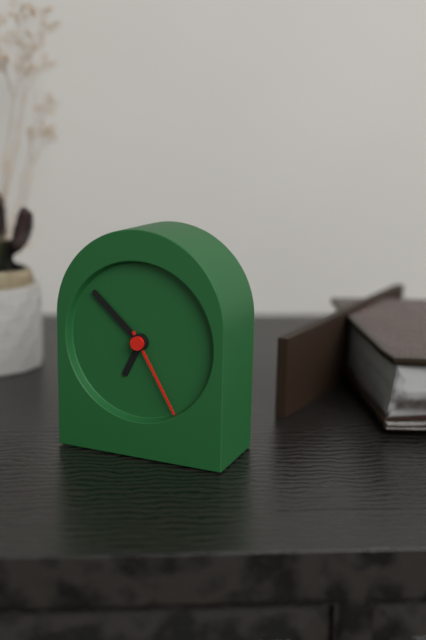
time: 6:52:25
